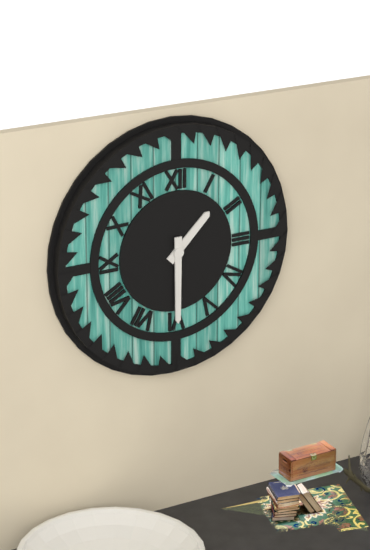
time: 1:30
